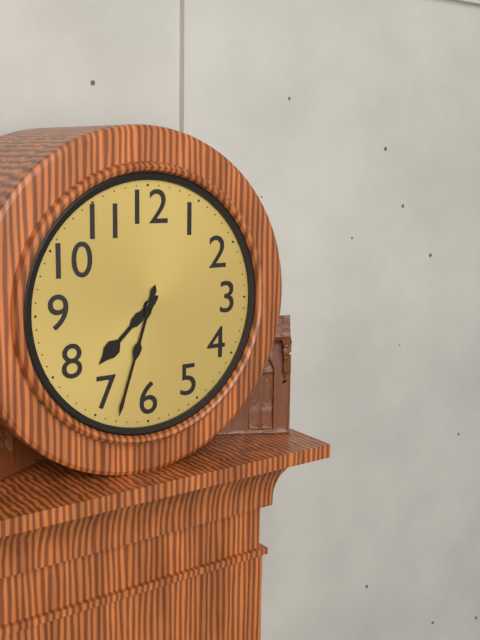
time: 7:33
